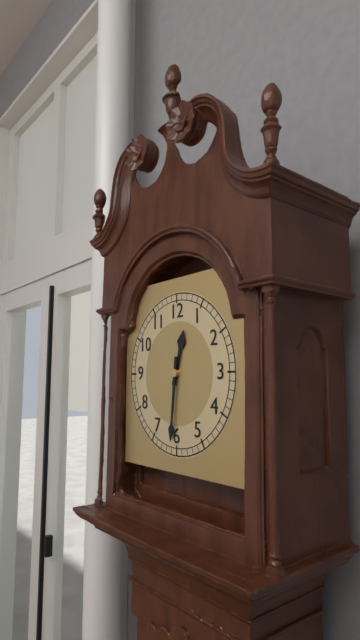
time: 12:31
